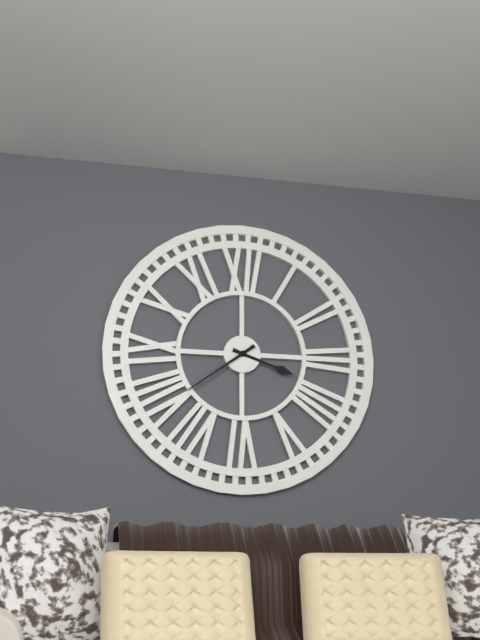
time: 3:39
